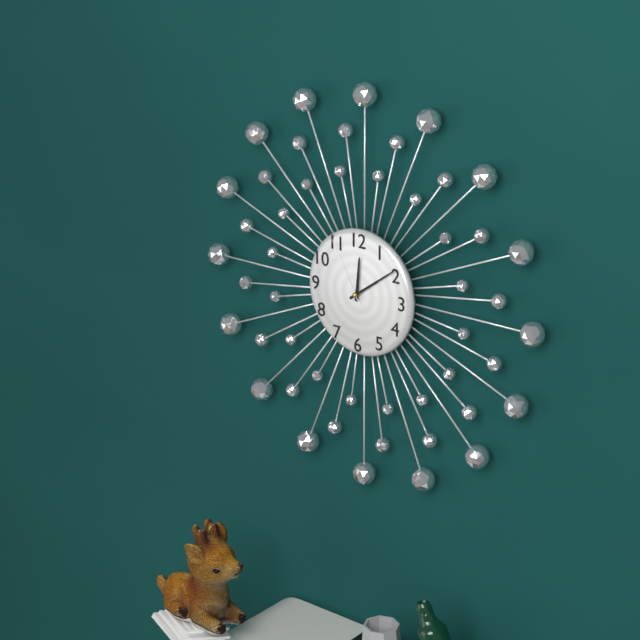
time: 12:09:55
